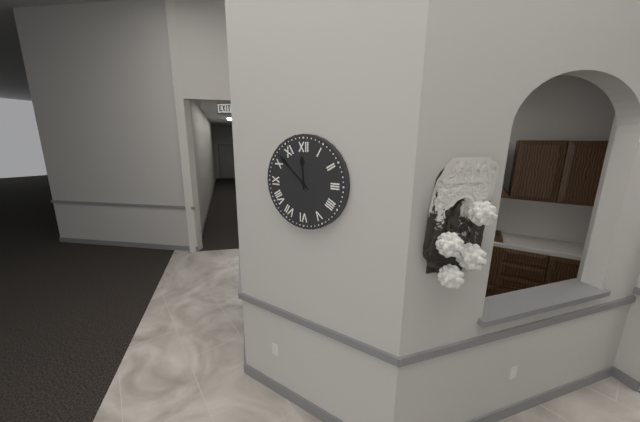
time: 11:52
